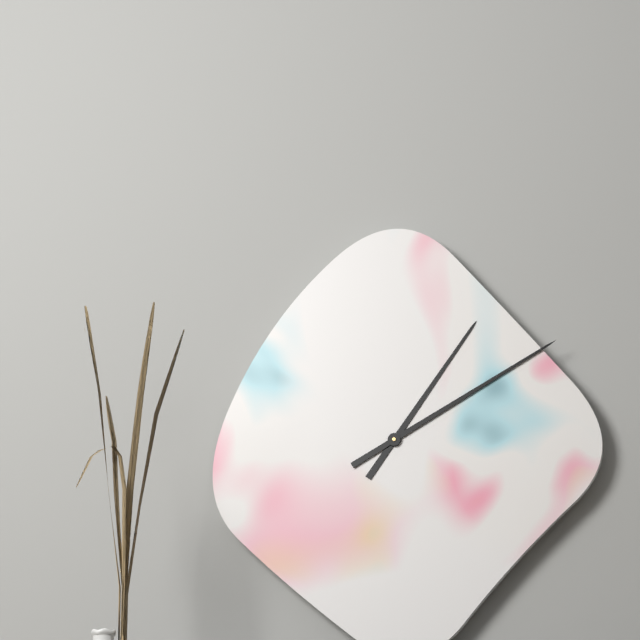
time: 1:10
